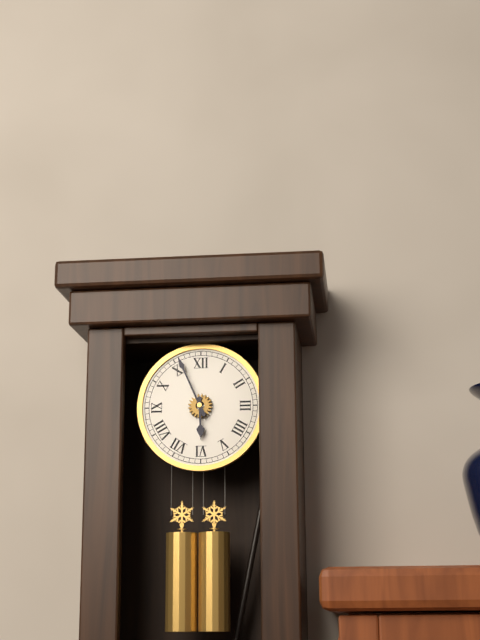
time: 5:56
